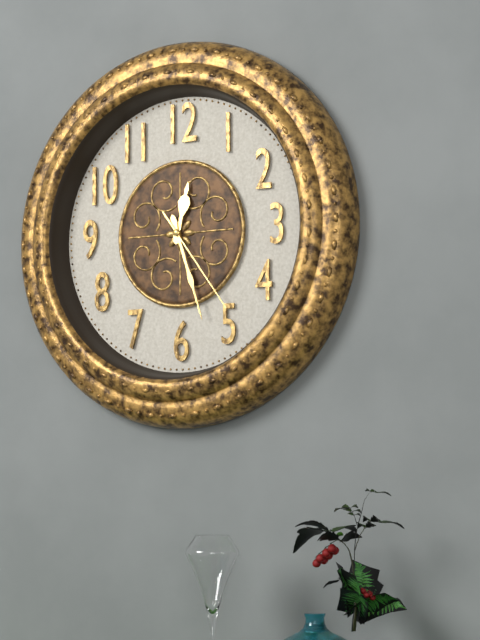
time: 12:27:24
